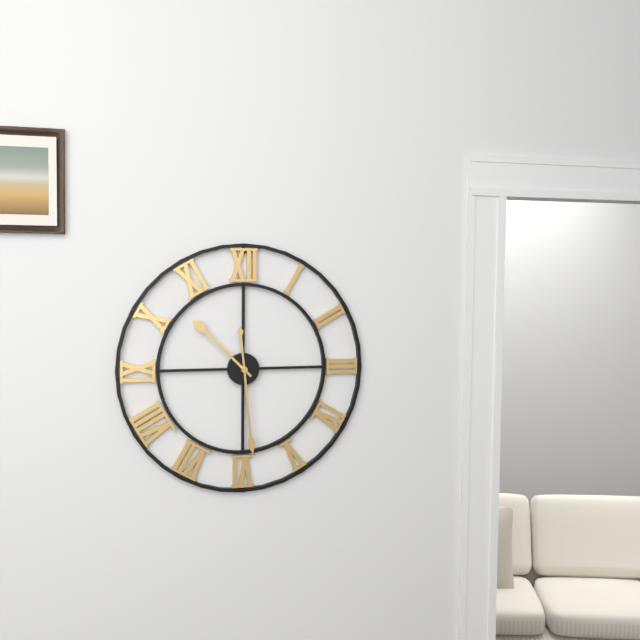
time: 10:29
